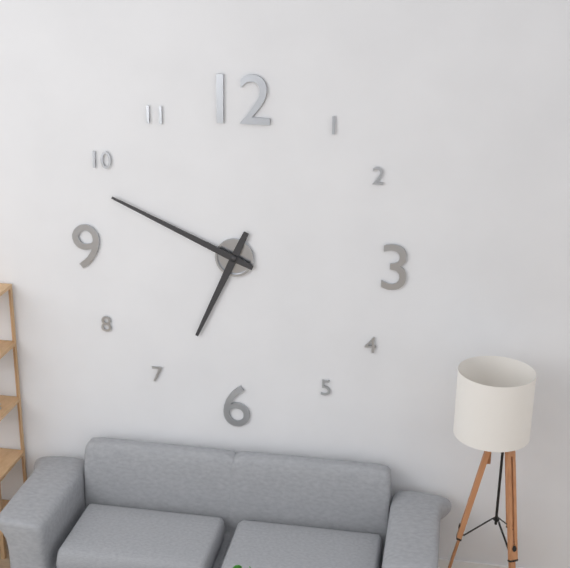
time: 6:49
